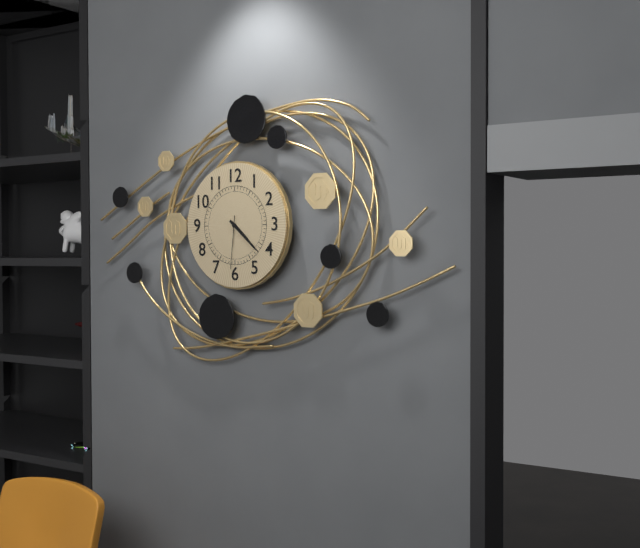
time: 4:22:31
